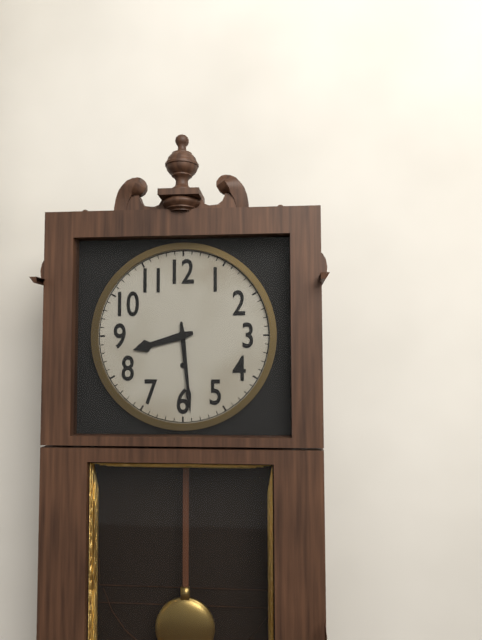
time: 8:29
